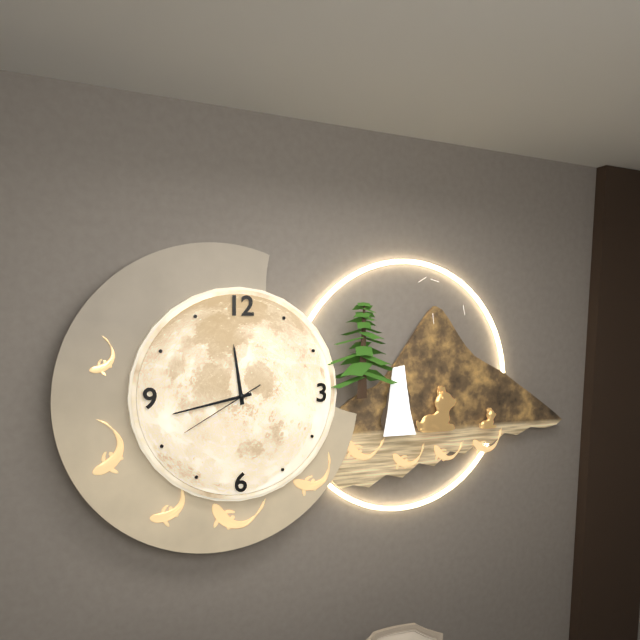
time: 11:43:40
